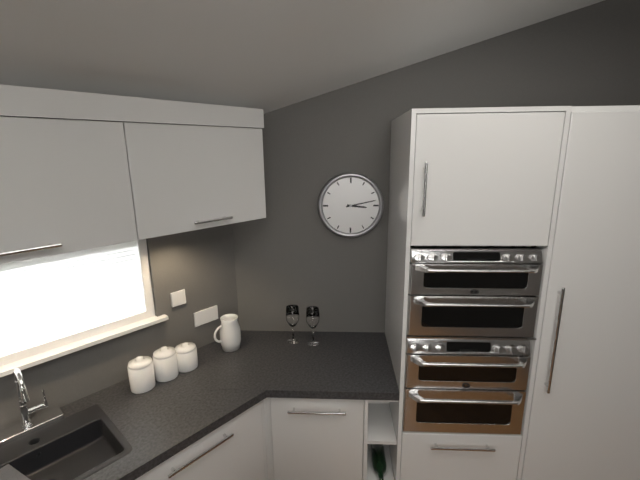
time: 3:13
